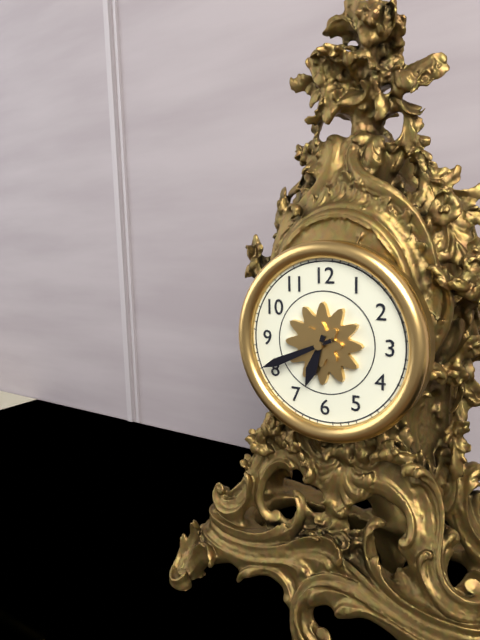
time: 6:41
